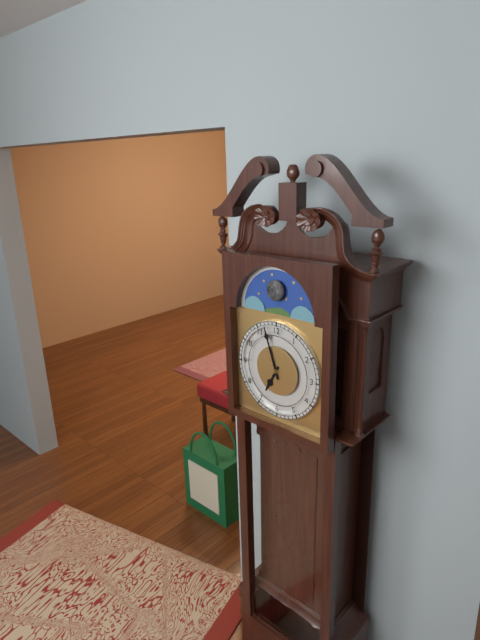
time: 6:57
